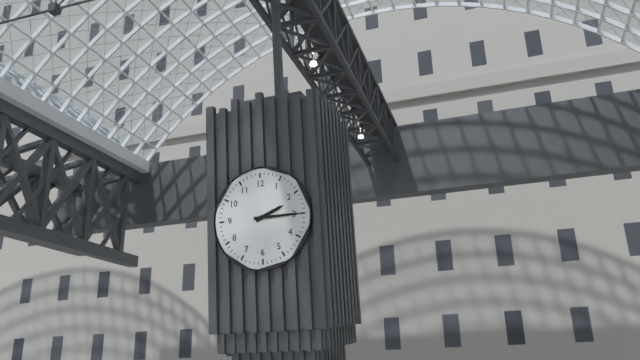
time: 2:15
